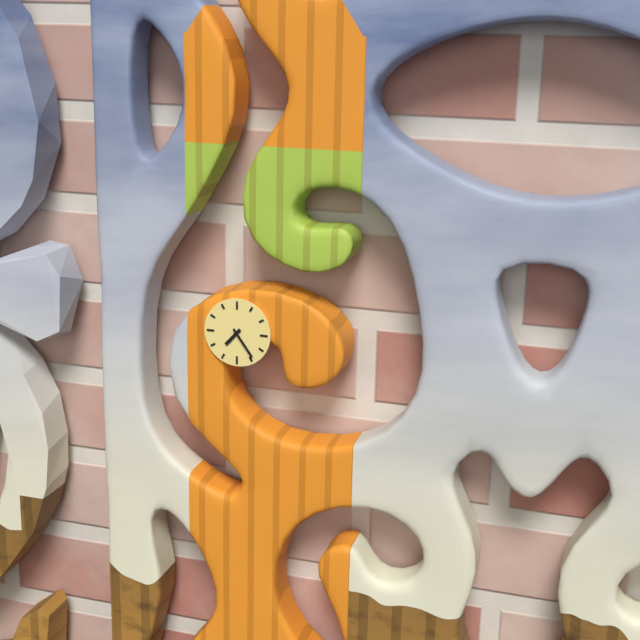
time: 7:24
